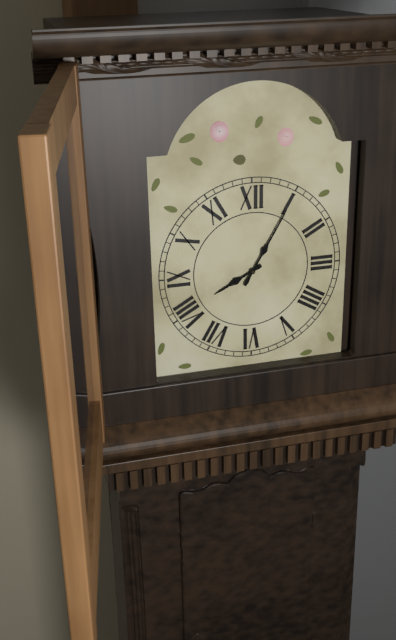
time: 8:05
